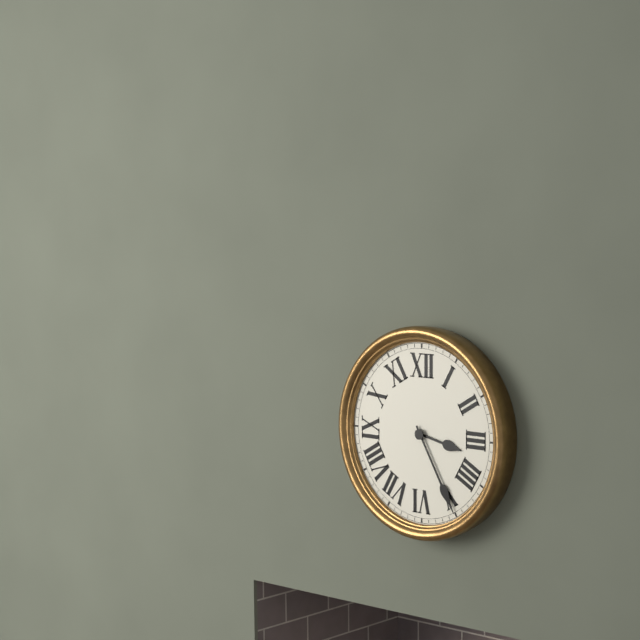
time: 3:25
